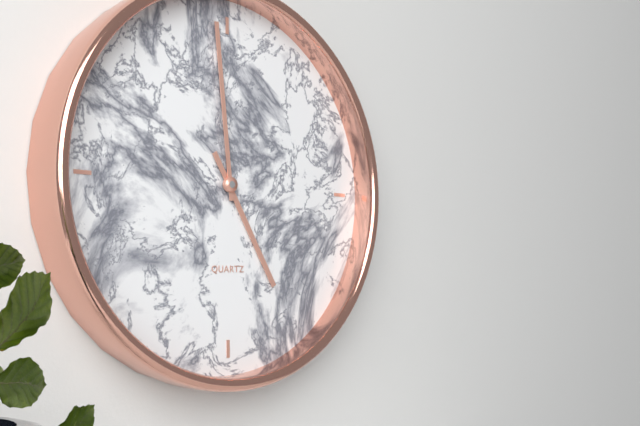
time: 4:59
